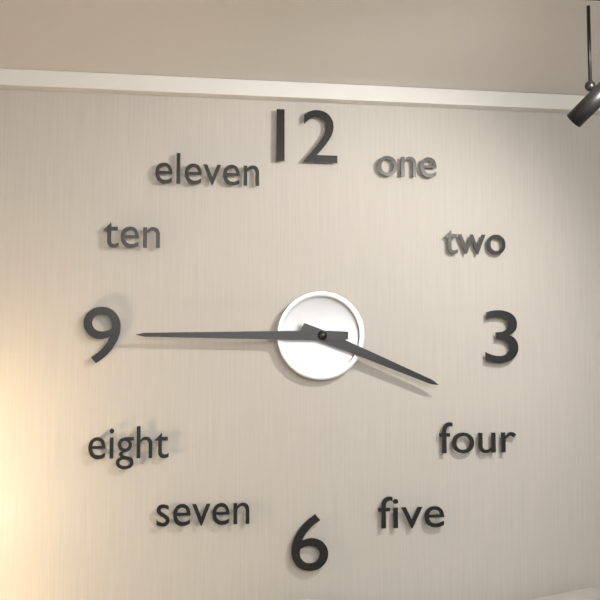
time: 3:45
